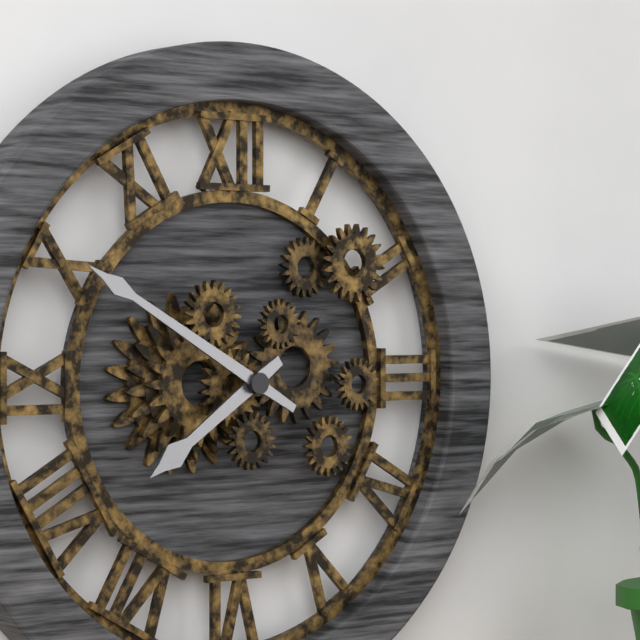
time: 7:50
